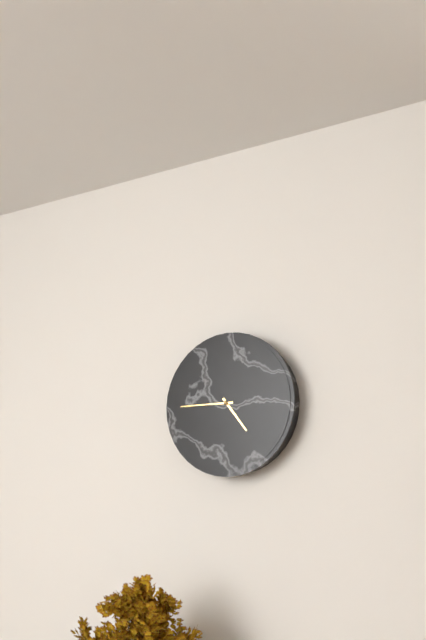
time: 4:45
